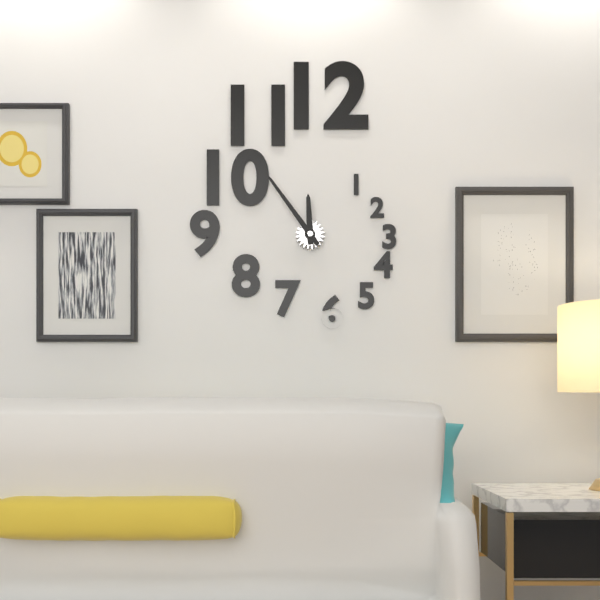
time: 11:54
